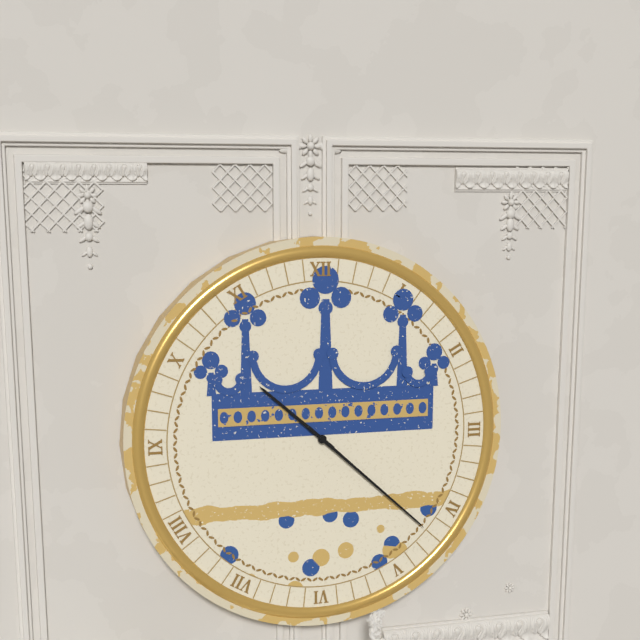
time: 10:22
